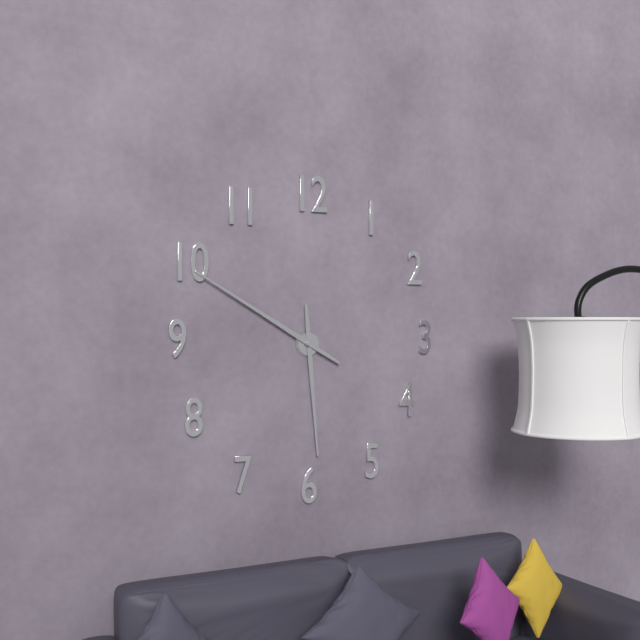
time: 5:50
